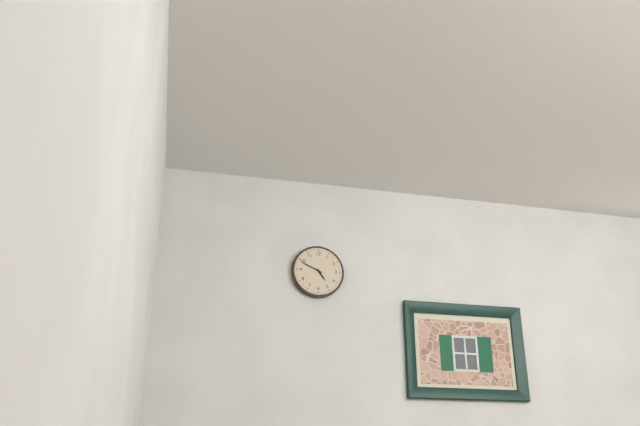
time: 4:49
